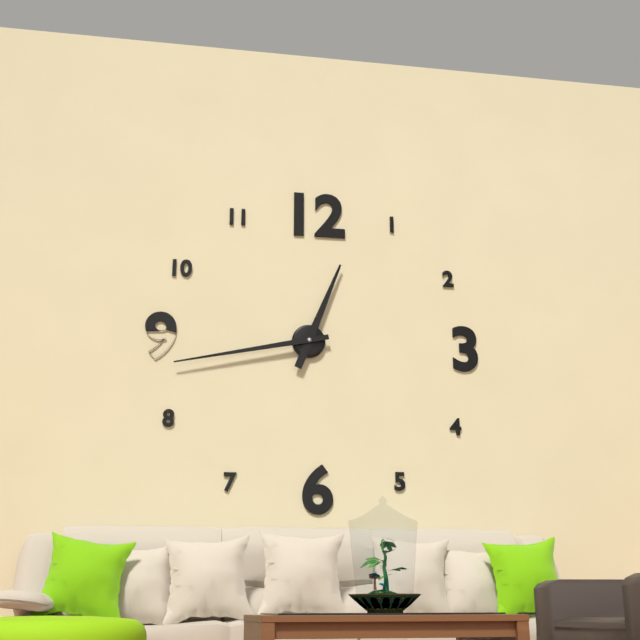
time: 12:43
